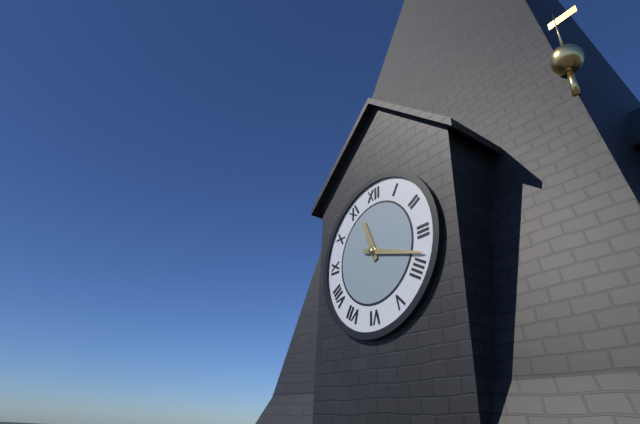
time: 11:18
